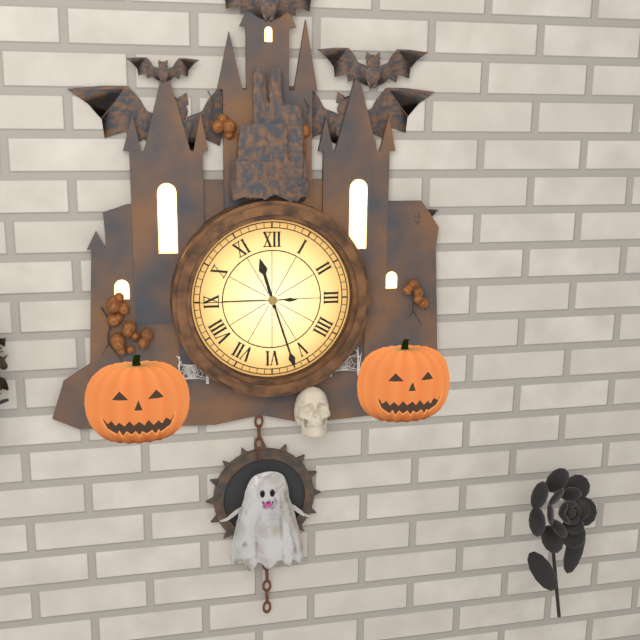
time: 11:27:45
